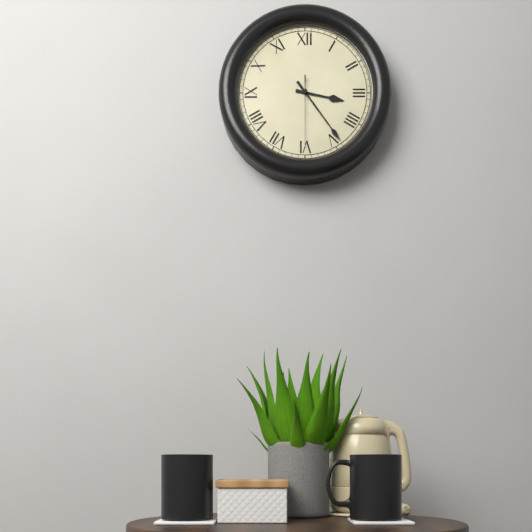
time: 3:24:30
